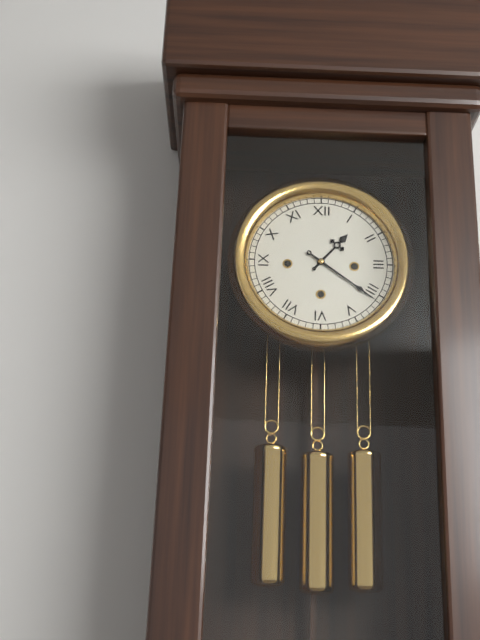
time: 1:21
